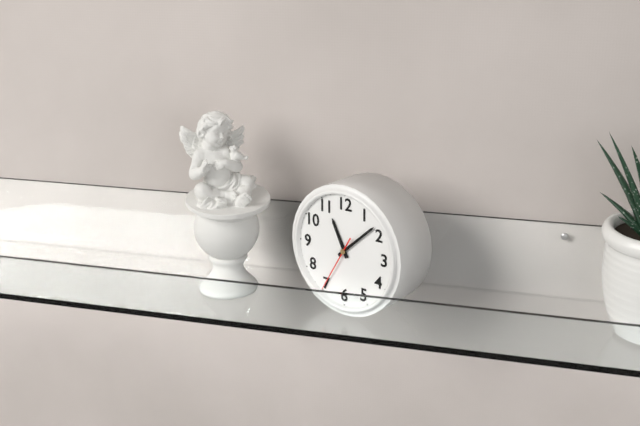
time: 11:08:35
